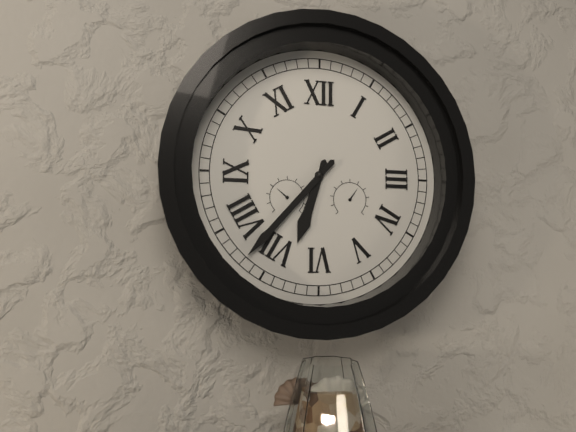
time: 6:37
